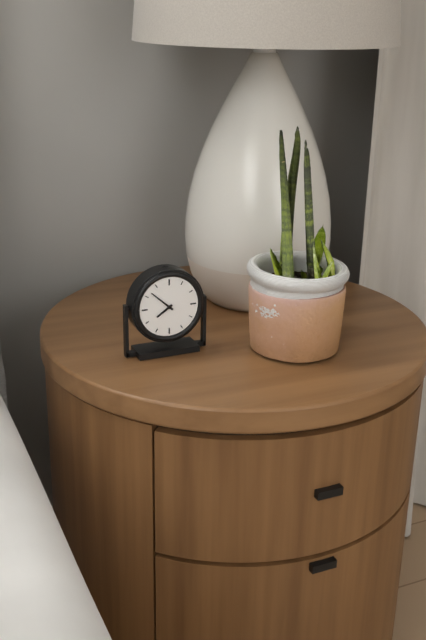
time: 7:52
